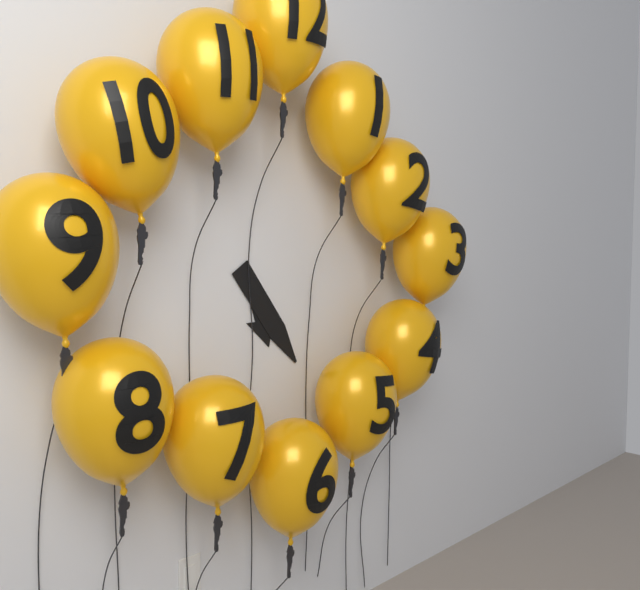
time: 5:24
